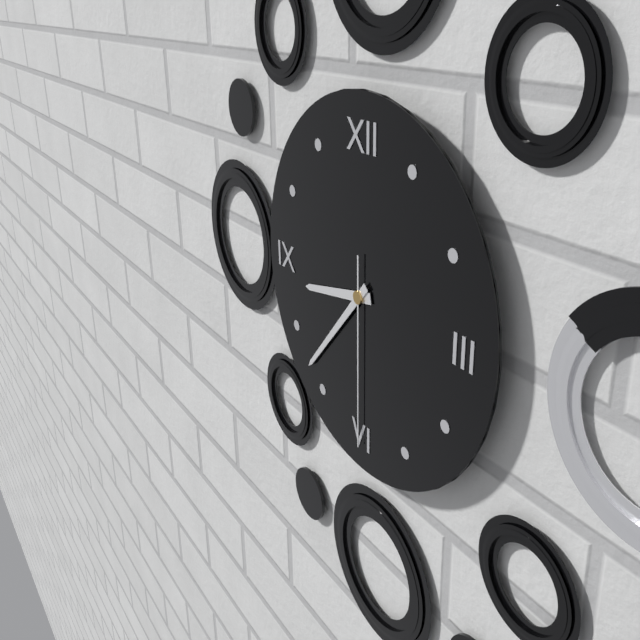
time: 8:37:30
